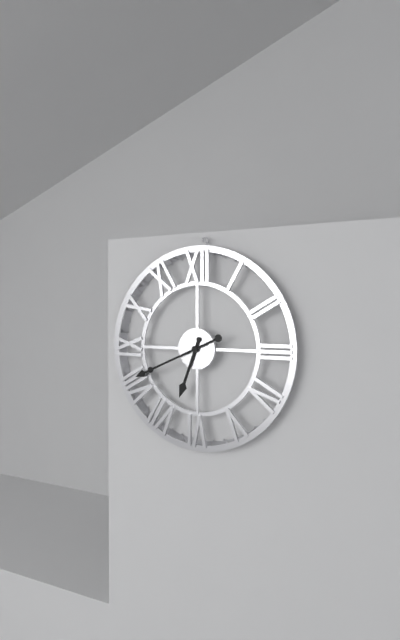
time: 6:41
